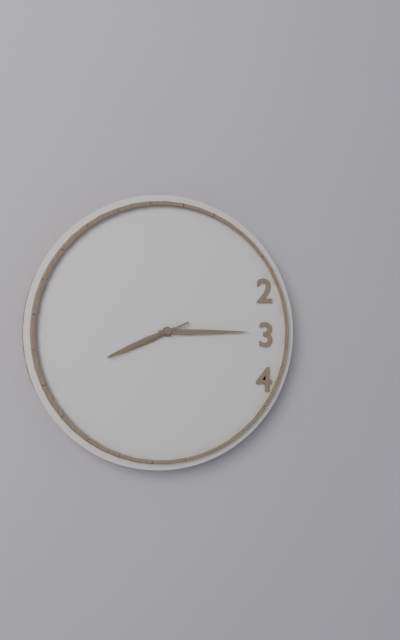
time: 8:15:41
